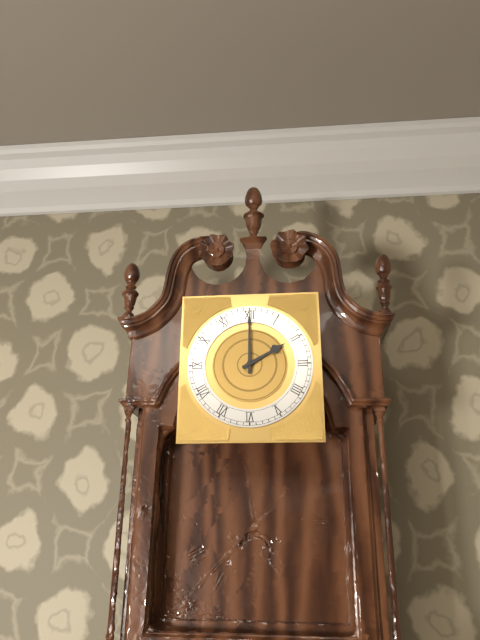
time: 2:00
